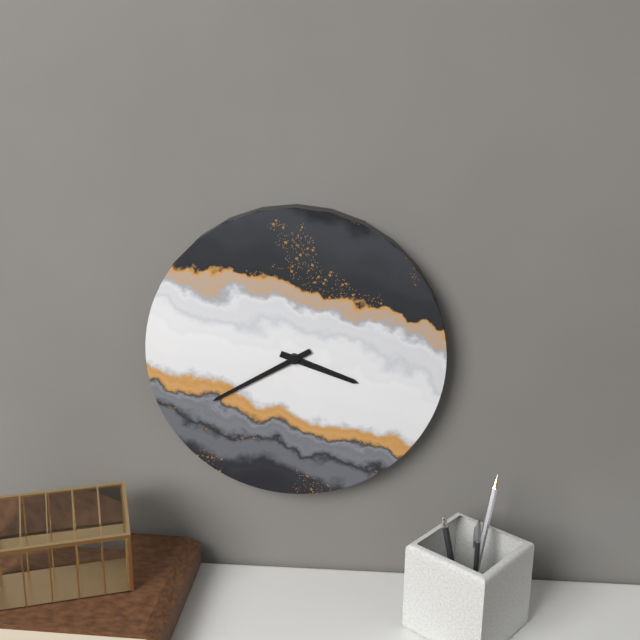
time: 3:40
